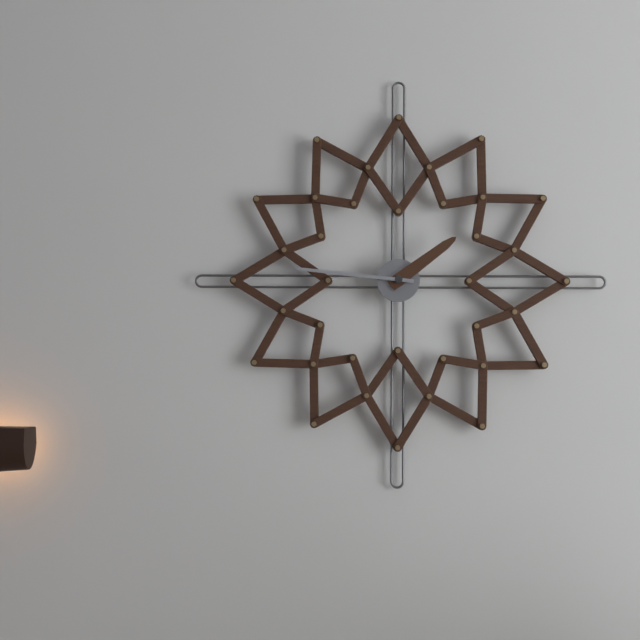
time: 1:46
